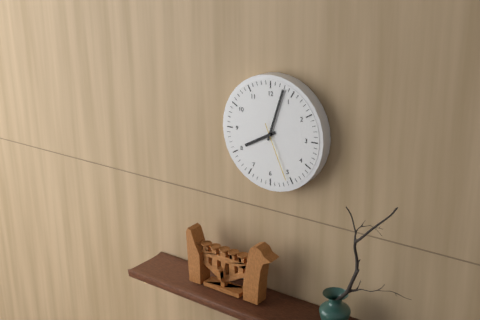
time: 8:03:26
